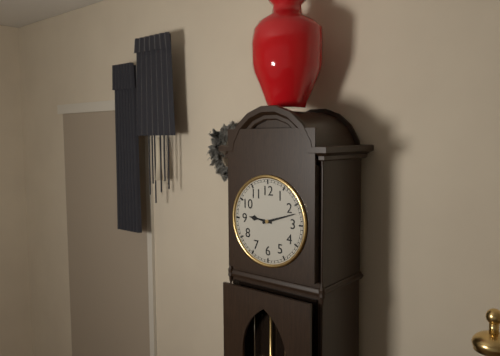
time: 9:12
